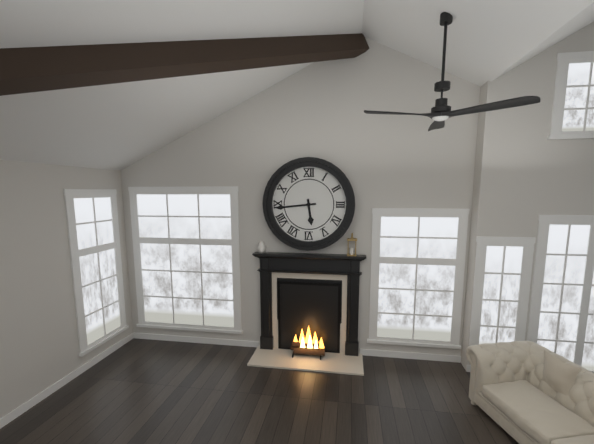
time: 5:44
